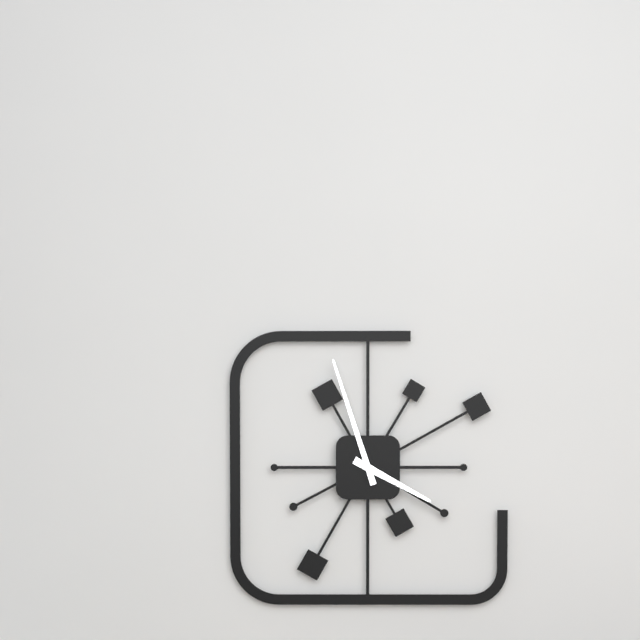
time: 3:57
